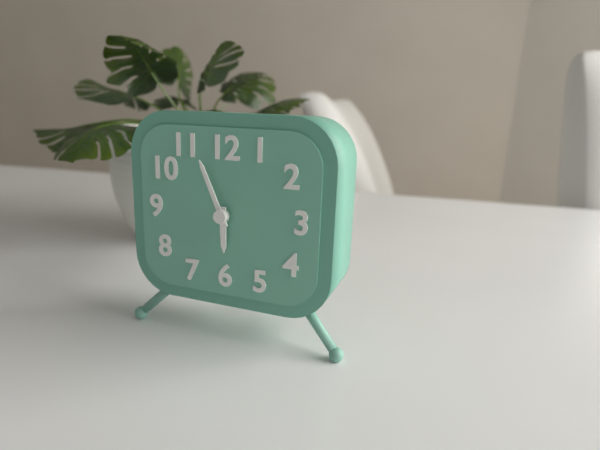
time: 5:56
